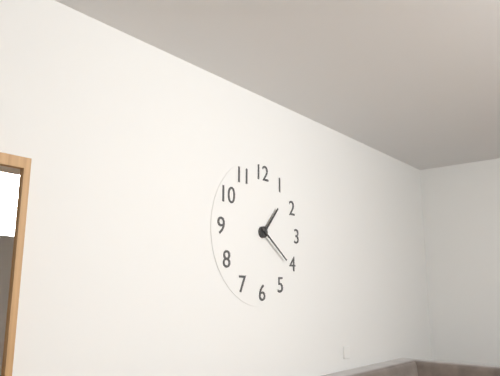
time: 1:21
